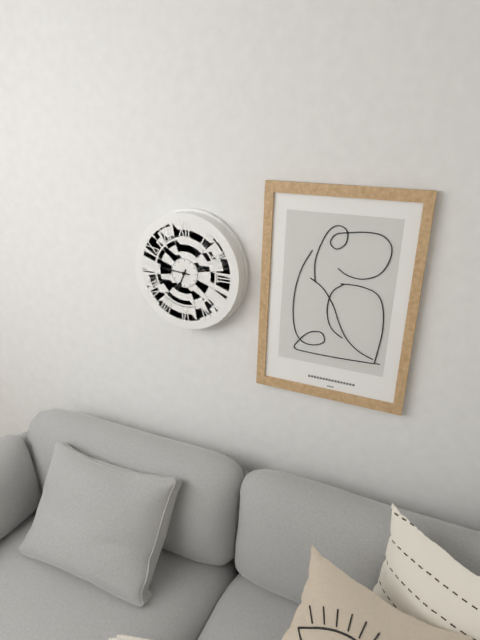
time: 6:46
